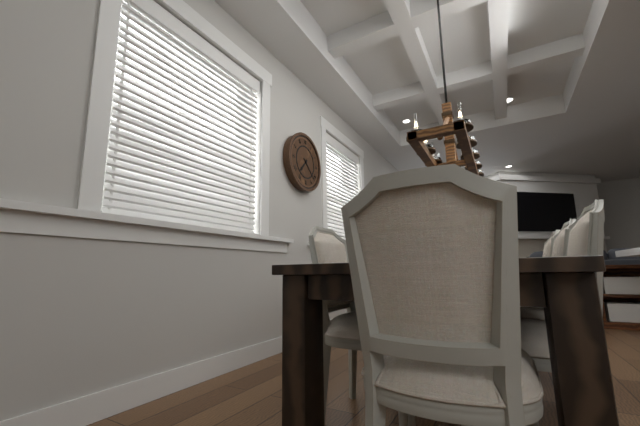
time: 7:22
